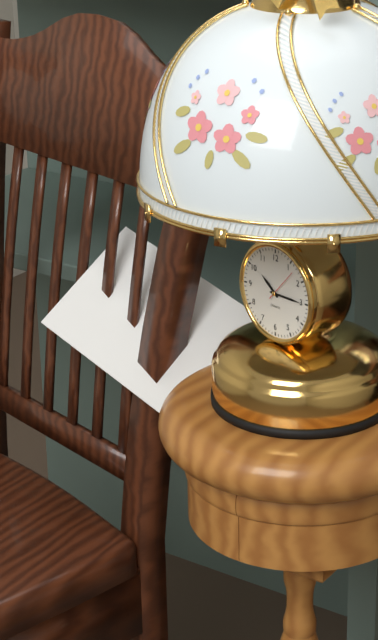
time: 10:15
